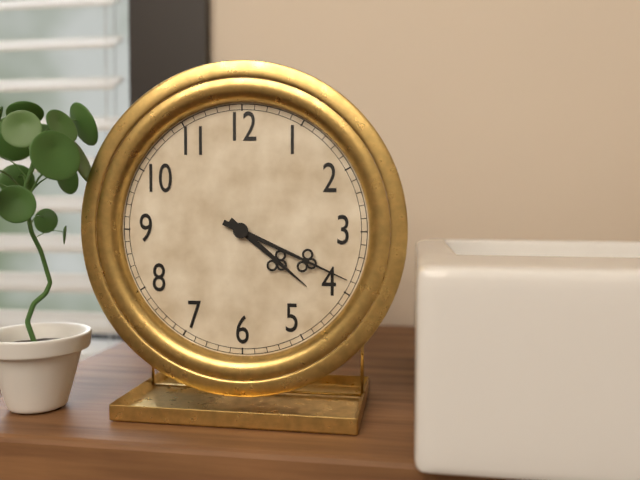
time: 4:19
